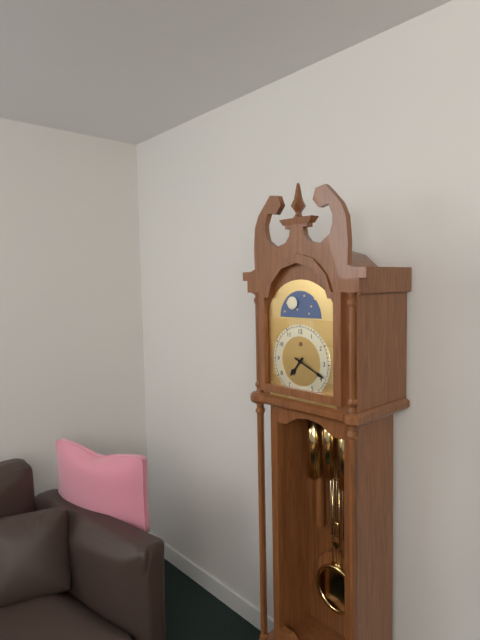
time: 7:19
